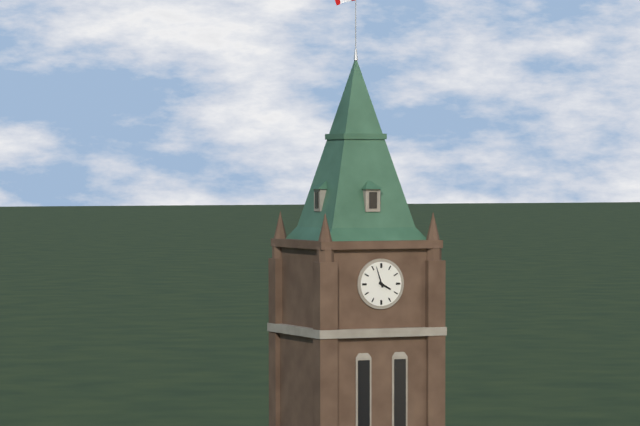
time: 3:57
